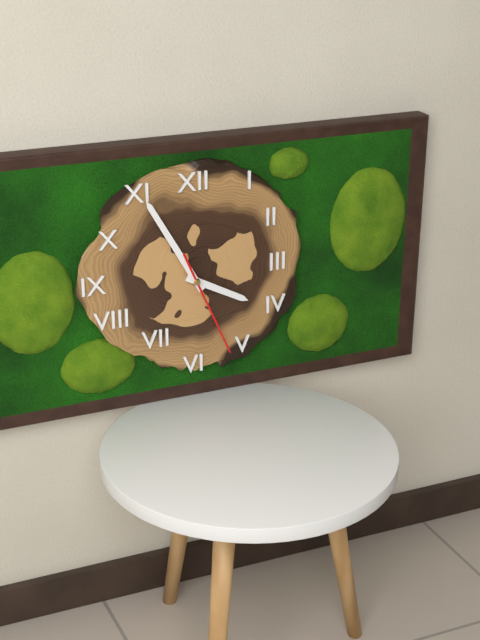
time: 3:55:26
